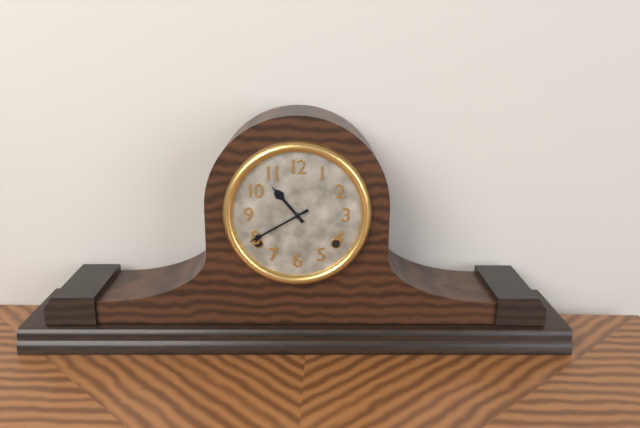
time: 10:40
